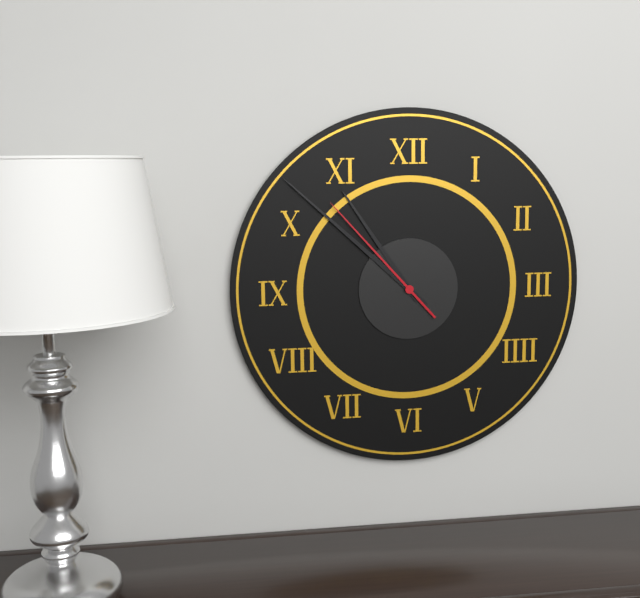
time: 10:52:53
